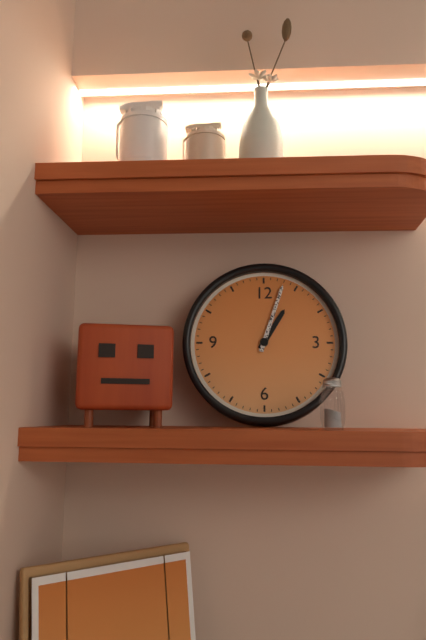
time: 1:03
